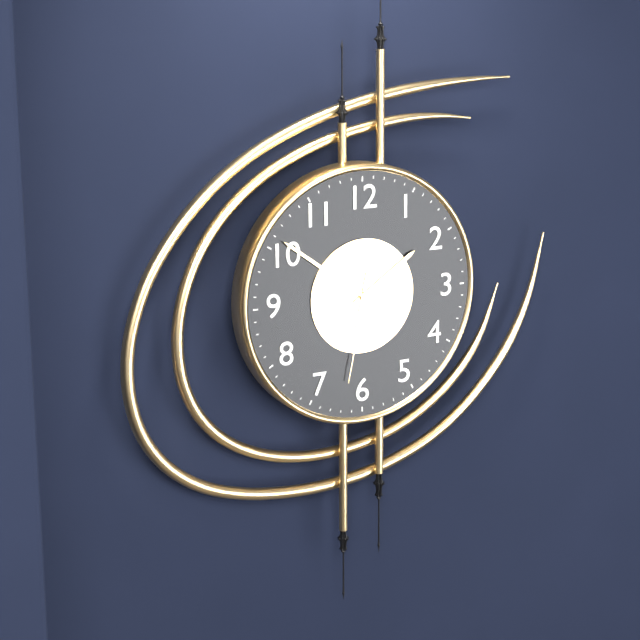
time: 1:51:32
